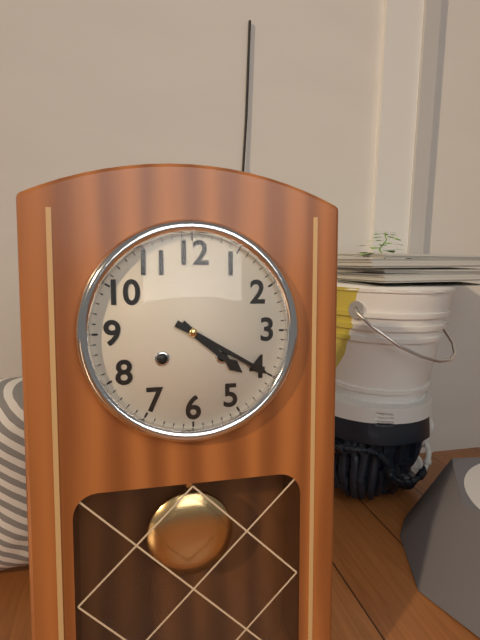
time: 4:20
